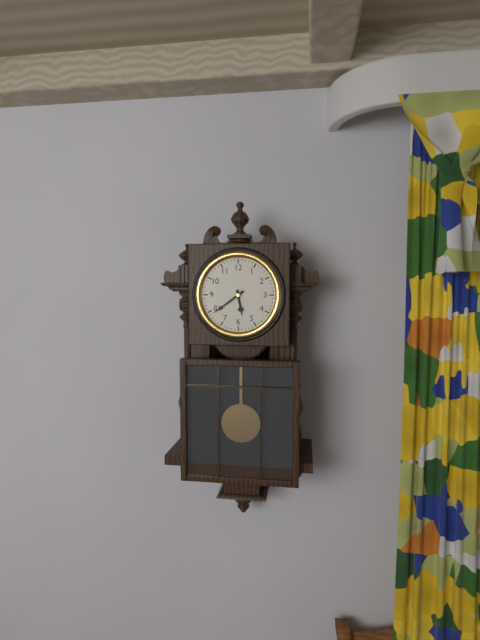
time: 5:39
